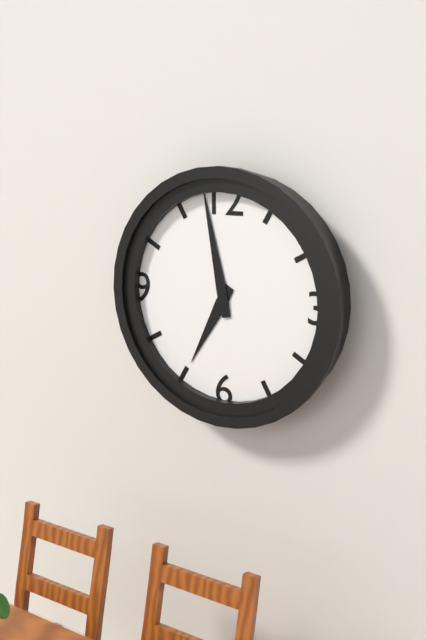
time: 6:58
